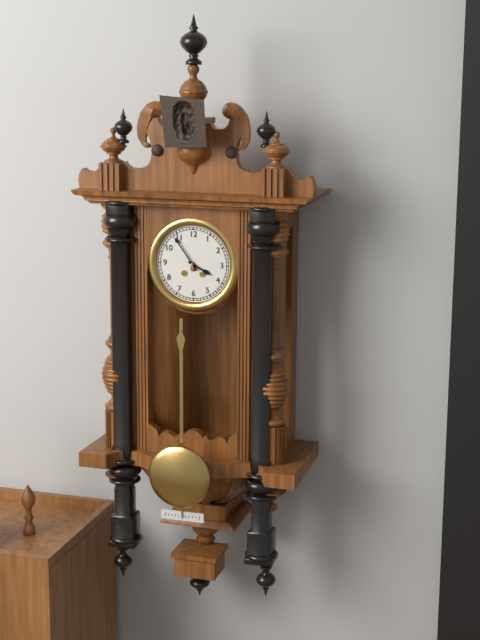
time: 3:54
